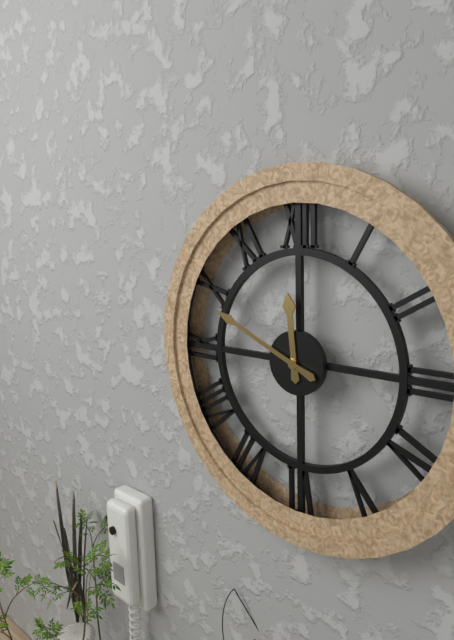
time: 11:49
